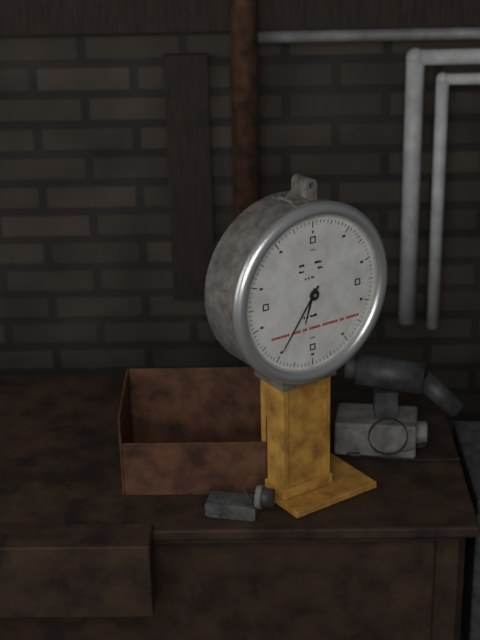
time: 6:36
